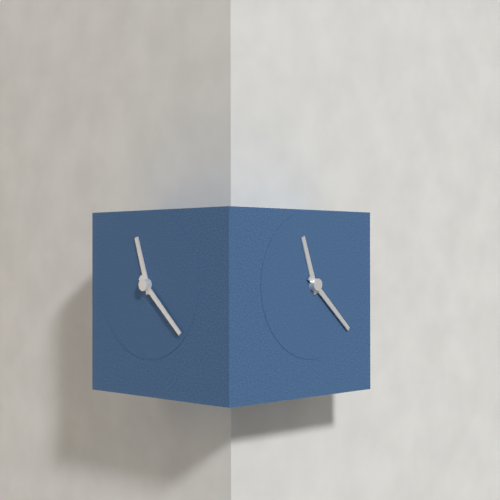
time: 11:22
